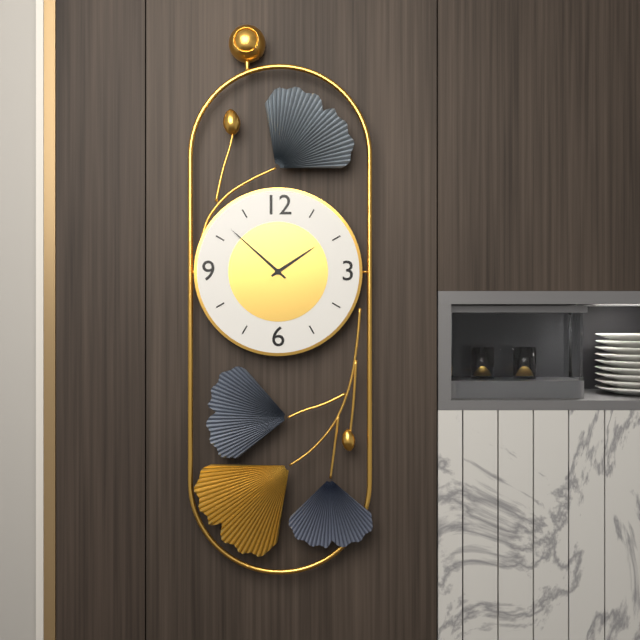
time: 1:52
